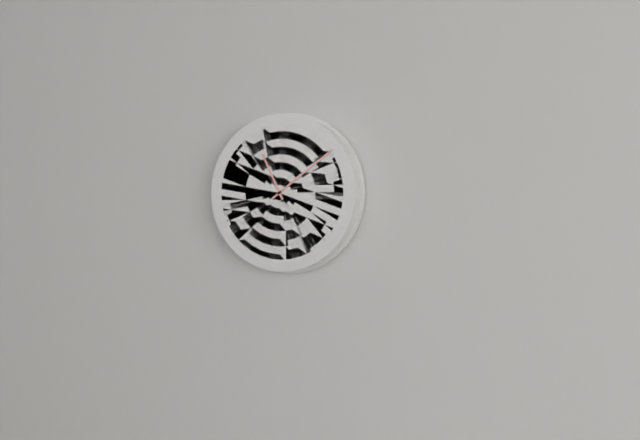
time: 11:09
